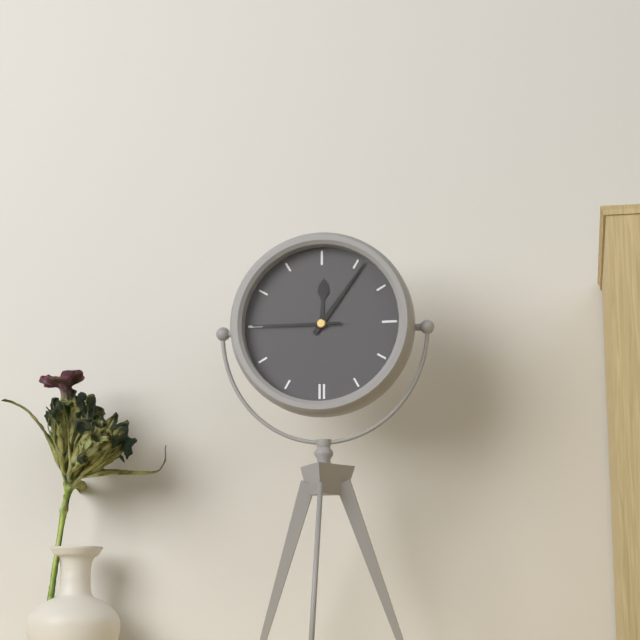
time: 12:06:45
